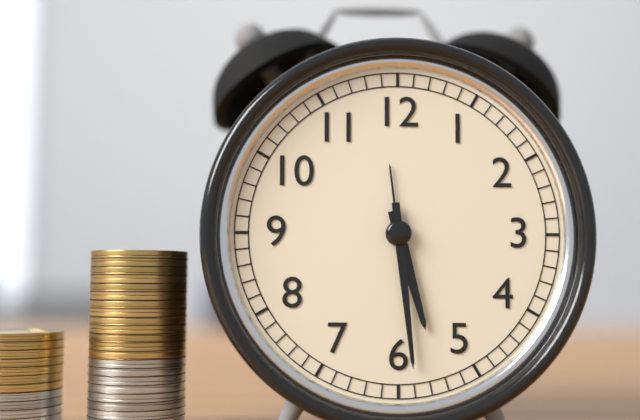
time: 5:29
